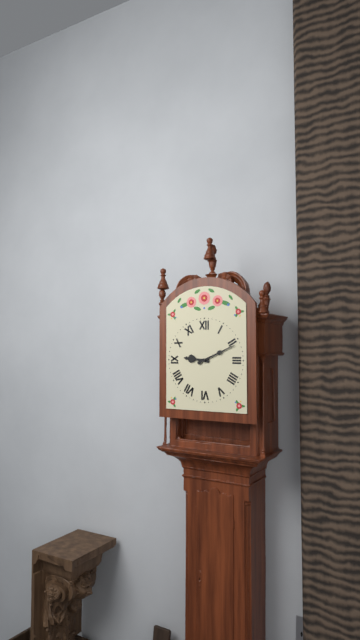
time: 9:11
